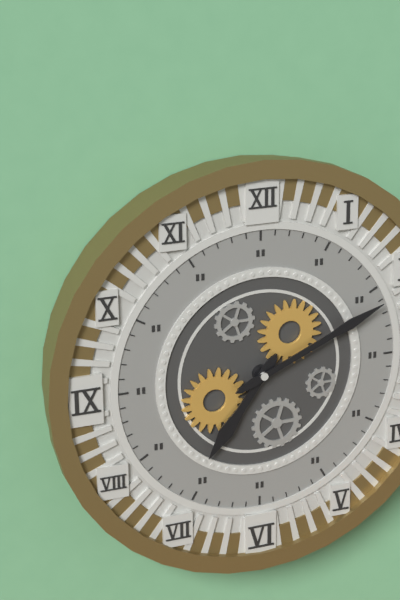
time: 7:11
